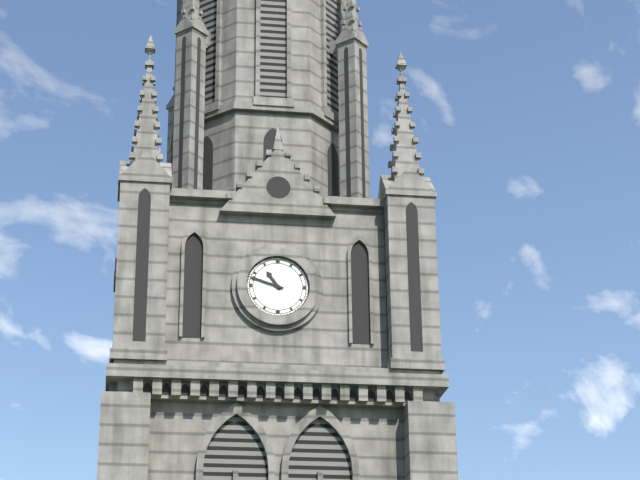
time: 10:48
